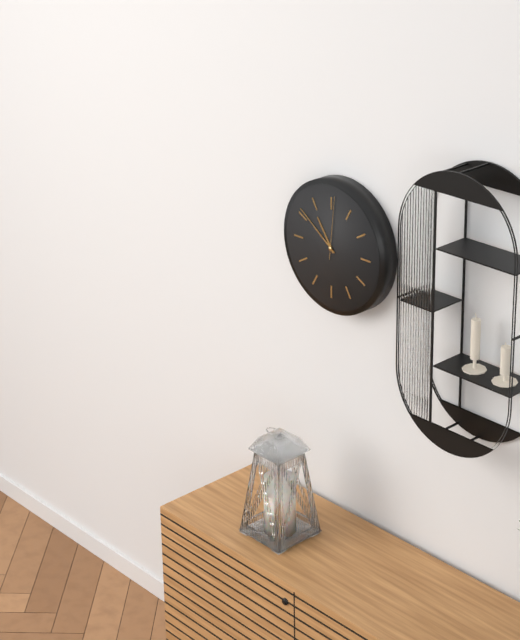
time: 10:51:01
